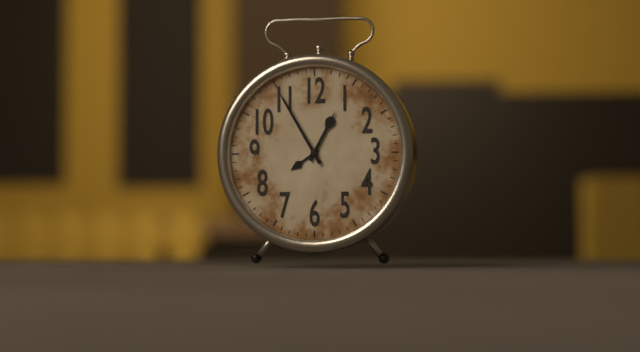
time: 12:55
